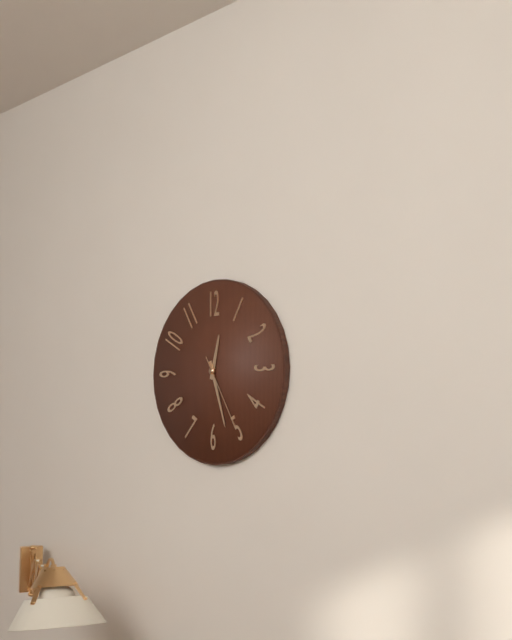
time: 12:27:25
